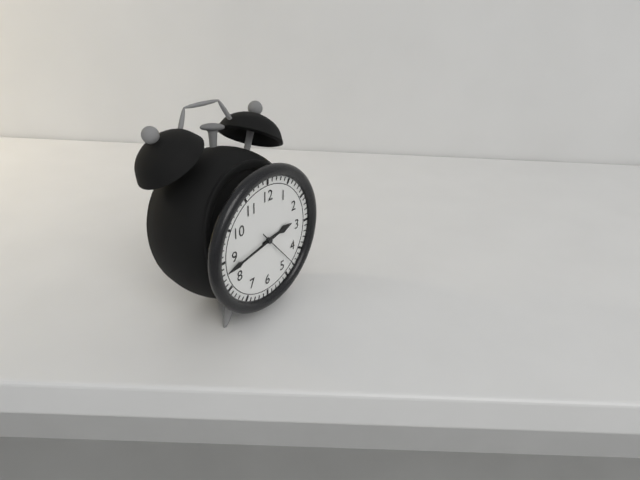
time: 2:43
